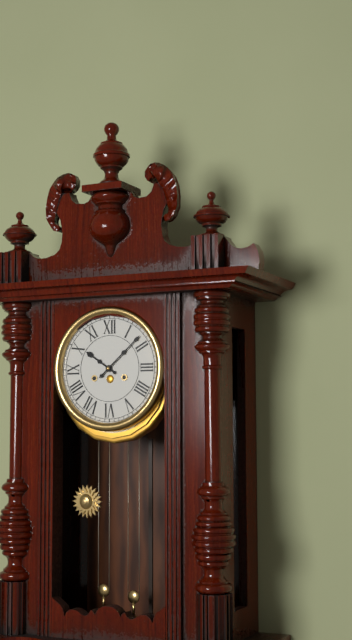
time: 10:08
